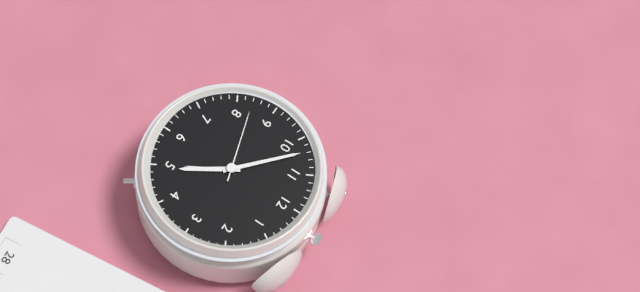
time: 4:52:42
